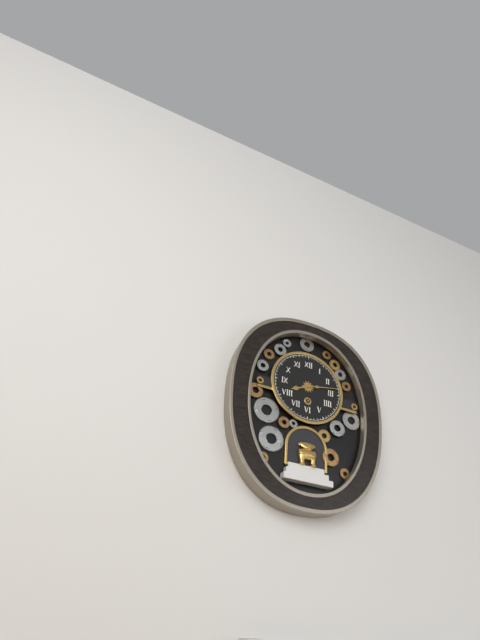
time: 8:13
